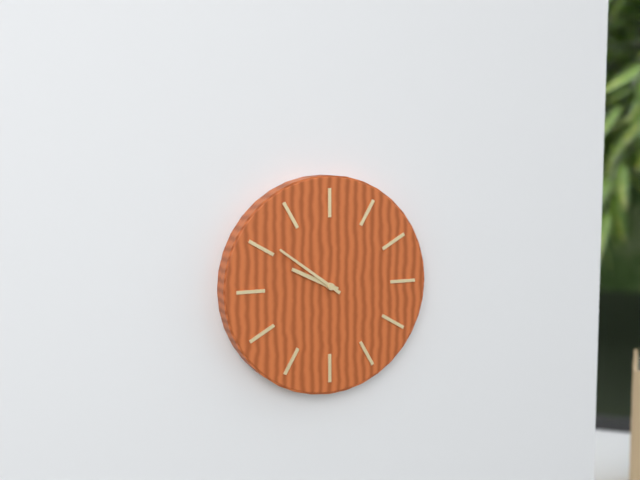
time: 9:51
